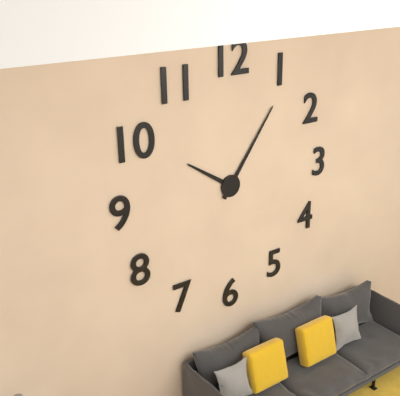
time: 10:06
